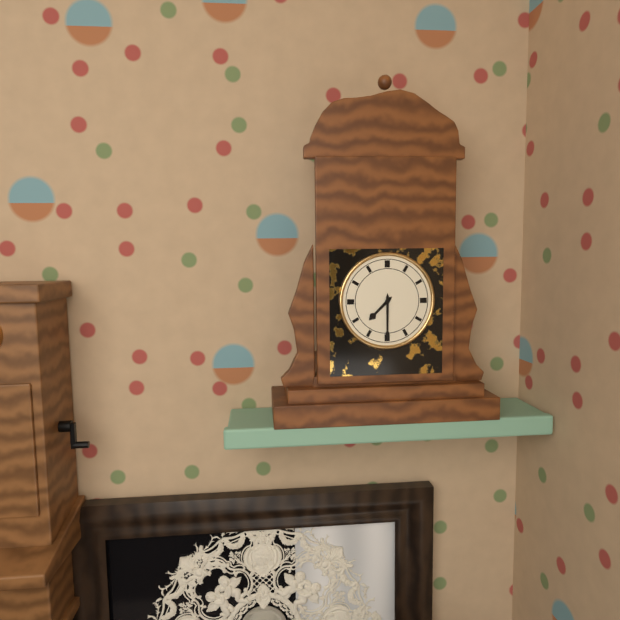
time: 7:30
